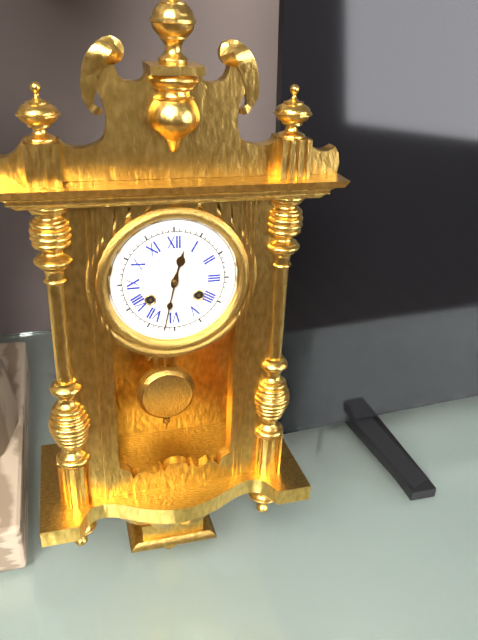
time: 12:32
